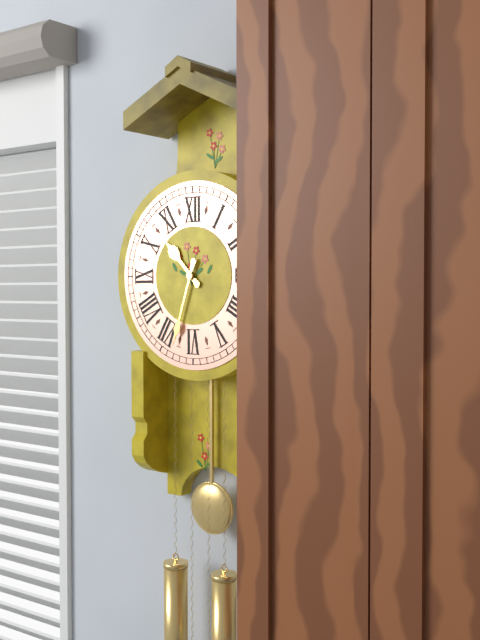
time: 10:33
